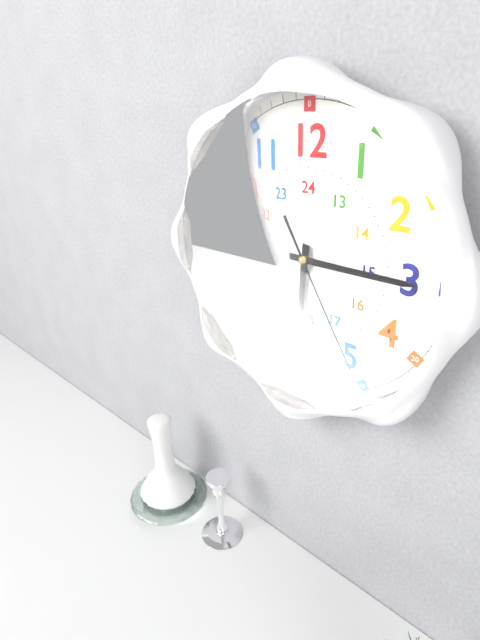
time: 6:15:25
